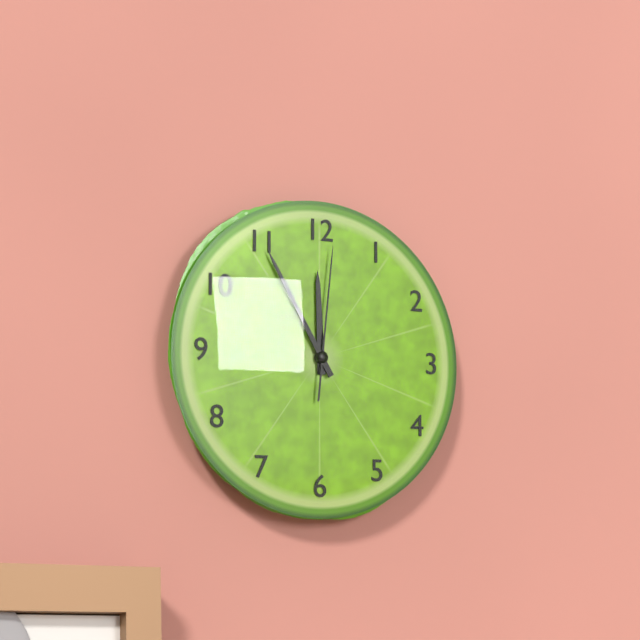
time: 11:55:01
